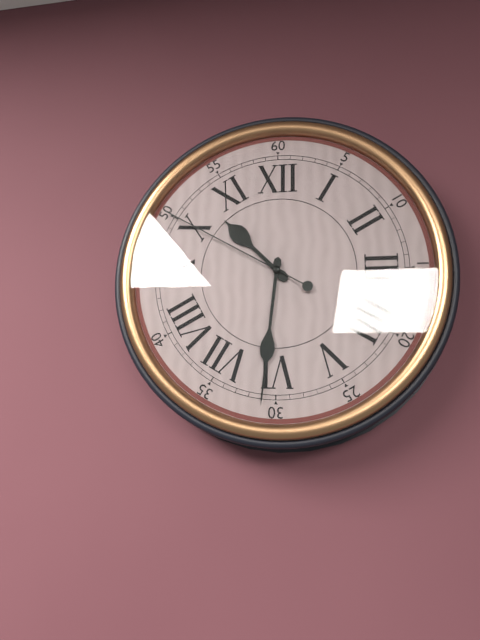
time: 10:31:50
